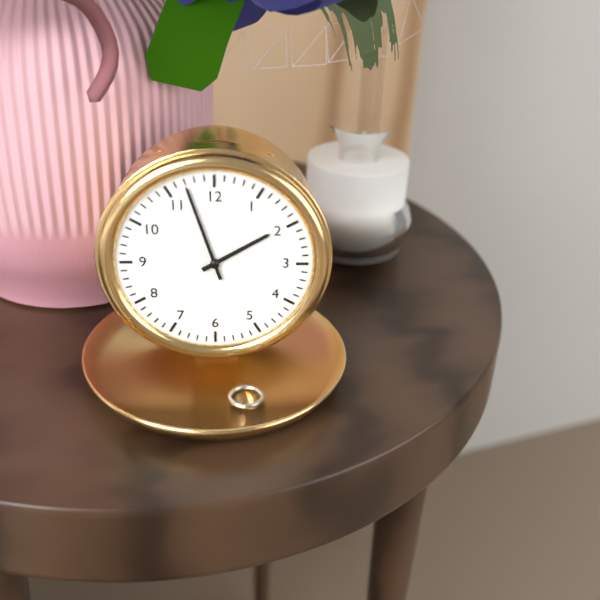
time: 1:57
